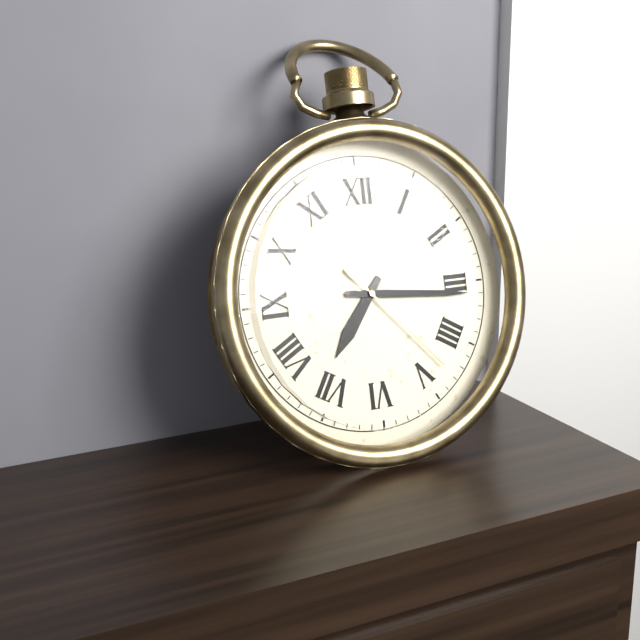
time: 7:16:23
